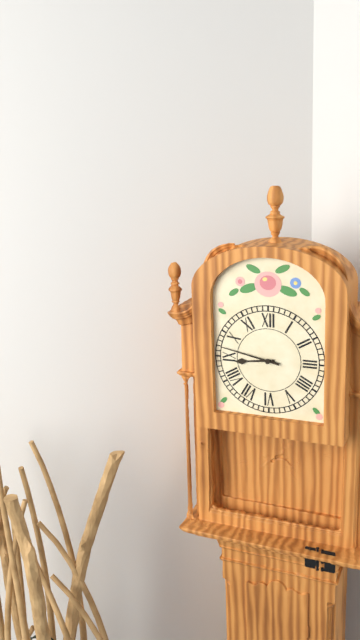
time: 8:47
